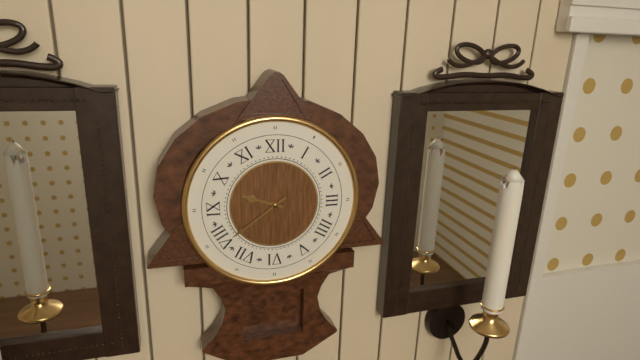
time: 9:39
